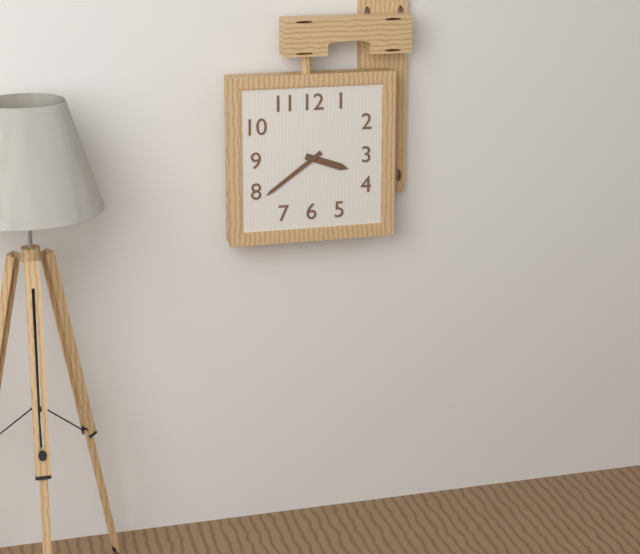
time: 3:39
